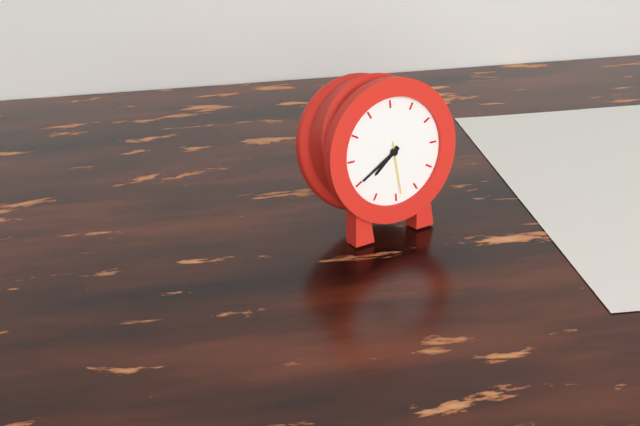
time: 7:40:29
